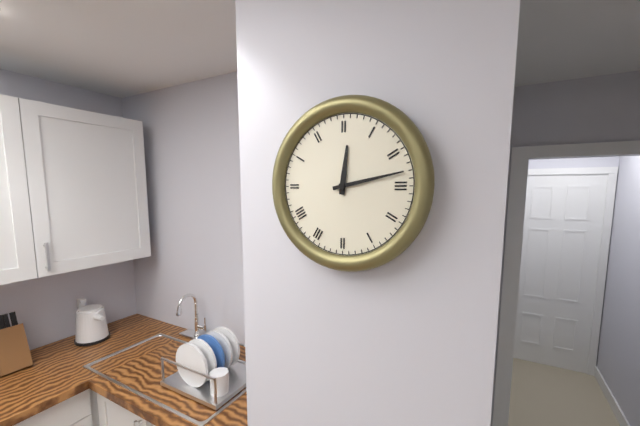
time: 12:13
